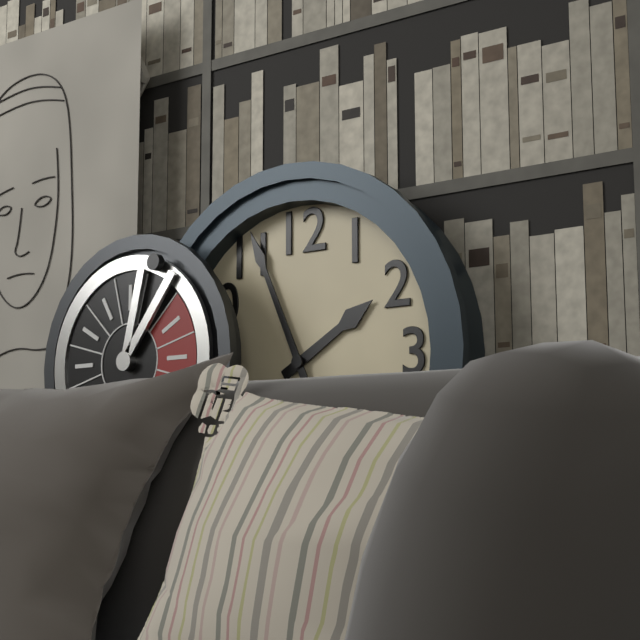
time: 1:56
